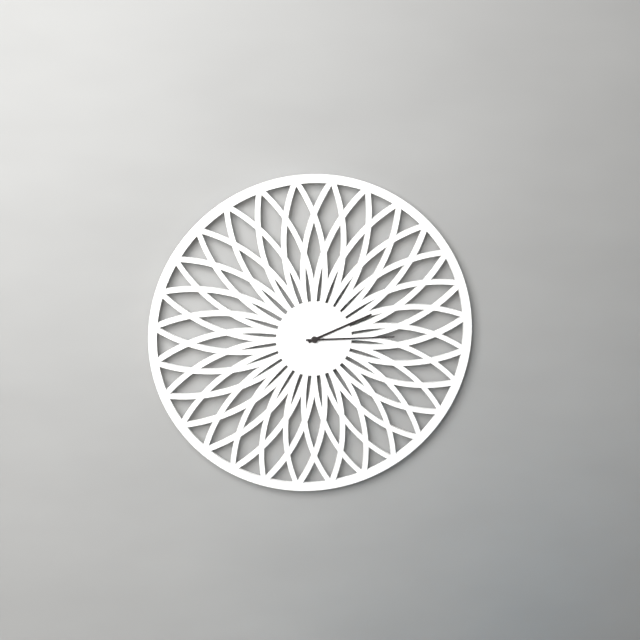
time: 2:15
